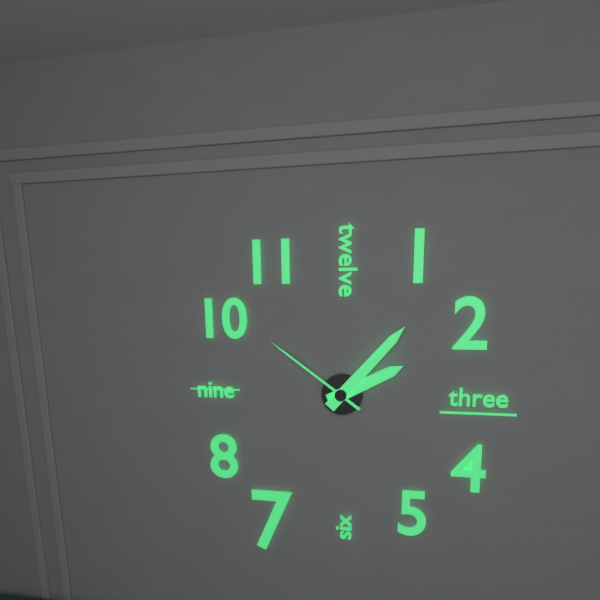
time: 2:07:51
